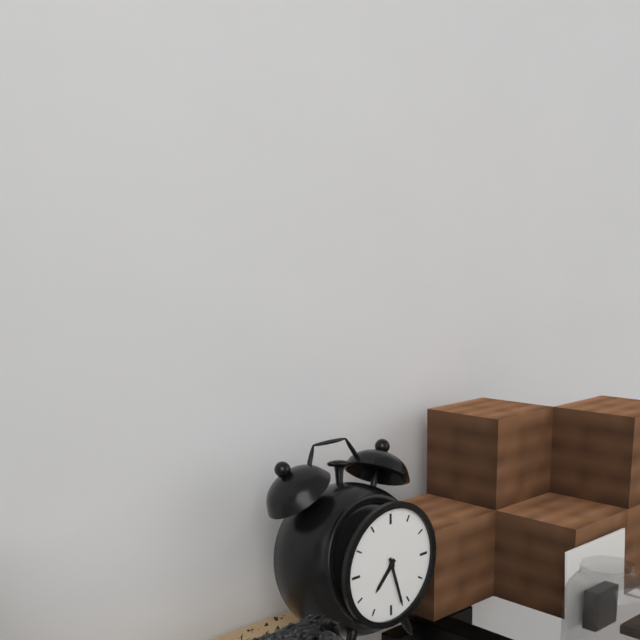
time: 7:27
